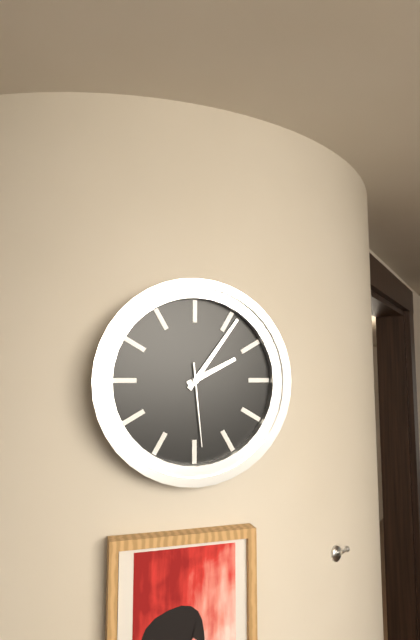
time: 2:06:29
